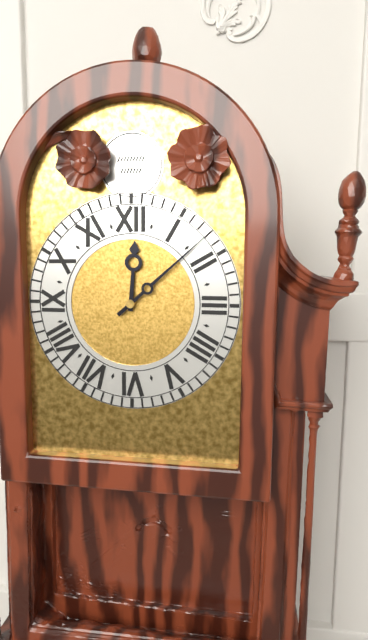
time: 12:08
